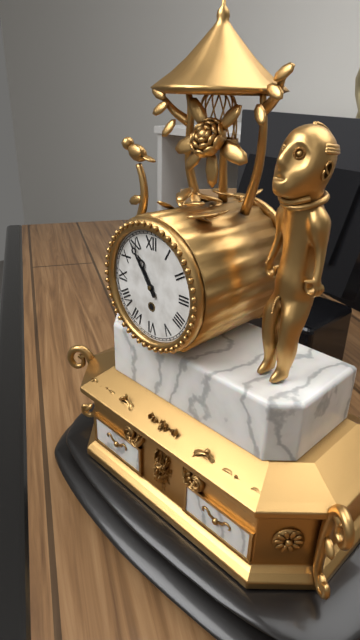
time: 10:54
